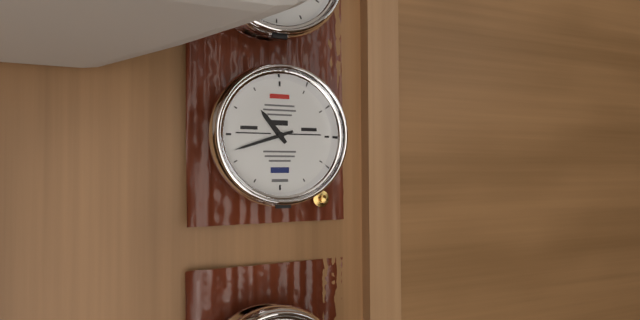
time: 10:42
